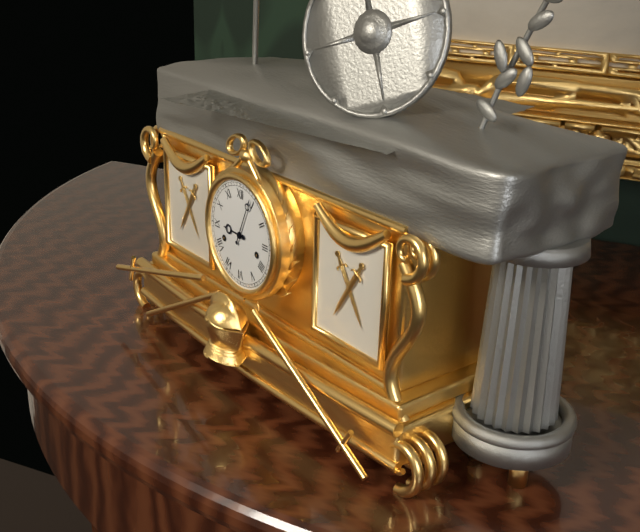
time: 9:04
